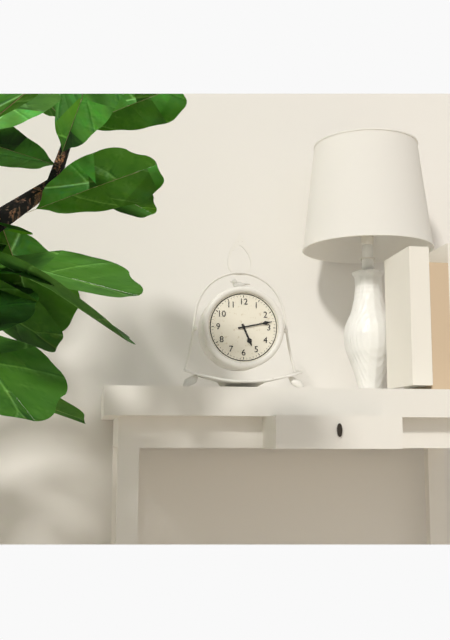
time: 5:13
